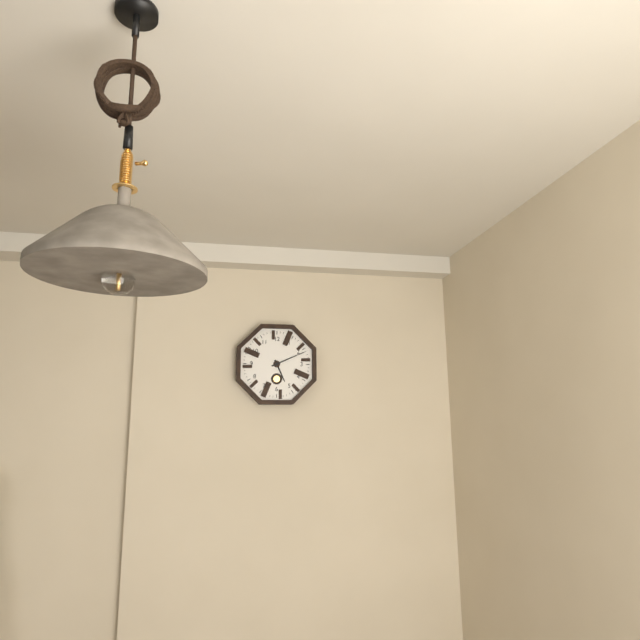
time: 5:11
